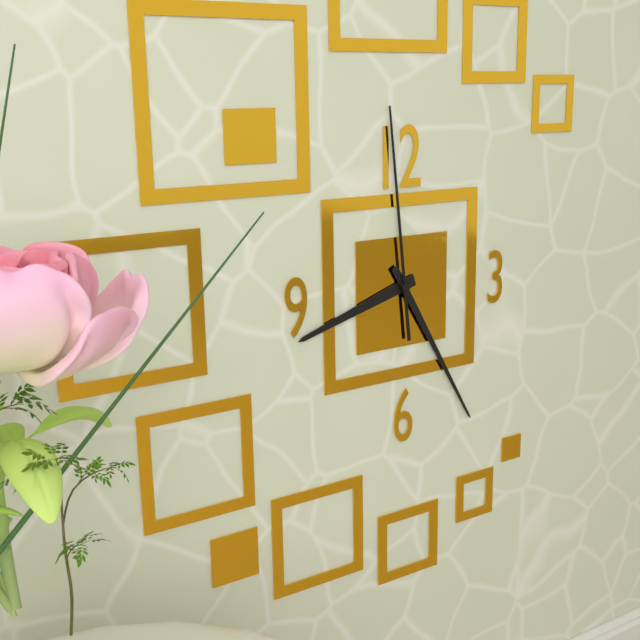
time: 8:25:59
